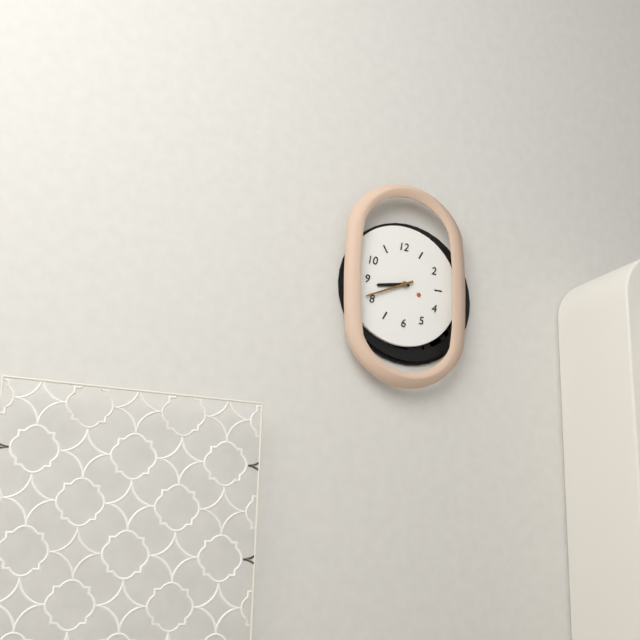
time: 8:41
